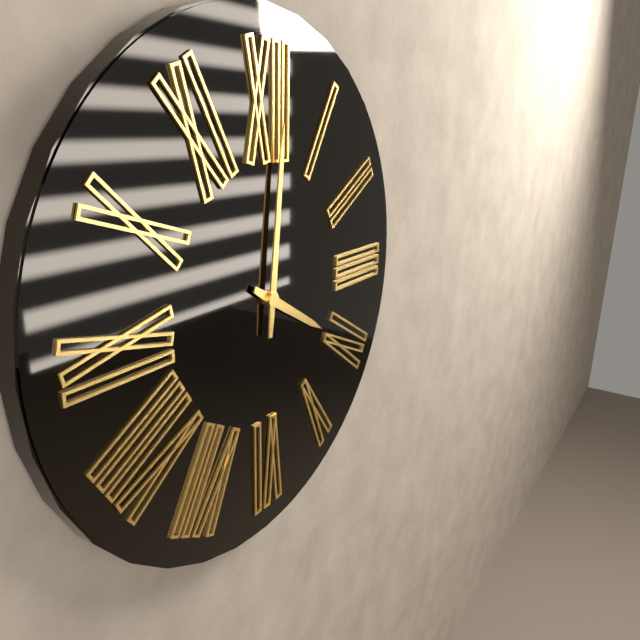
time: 4:01
